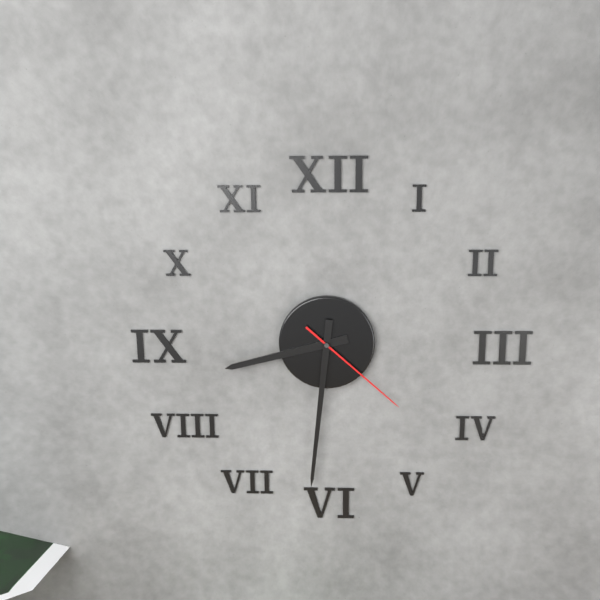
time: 8:31:22
